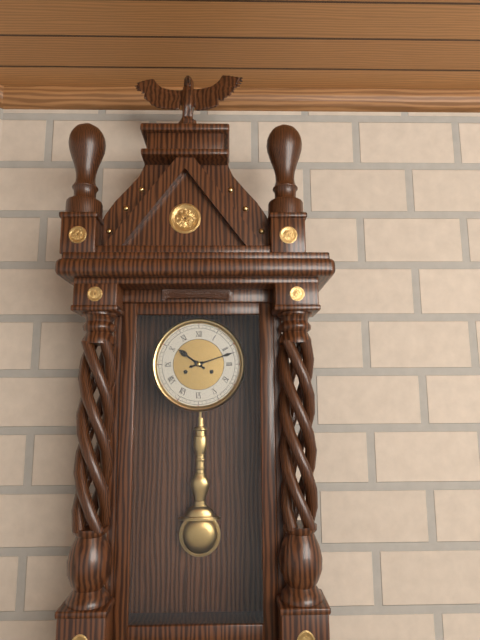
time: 10:12
